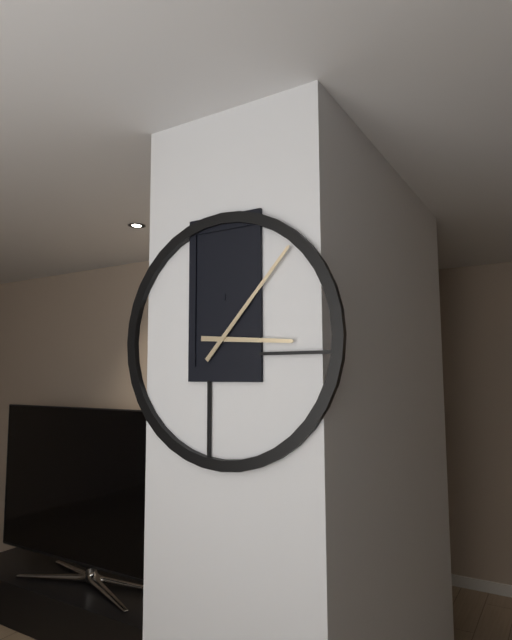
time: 3:07
